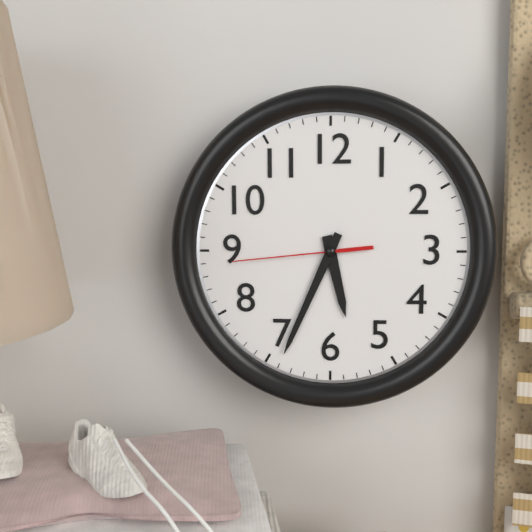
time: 5:34:44
